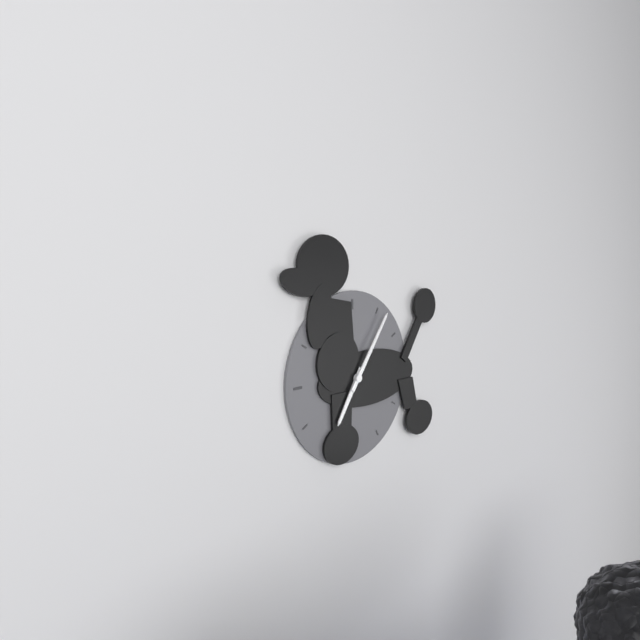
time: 7:06
